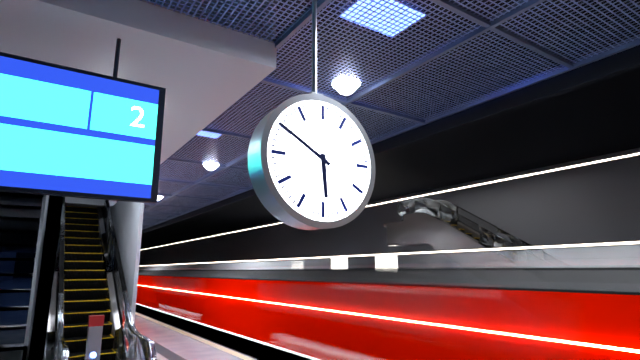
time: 5:50
